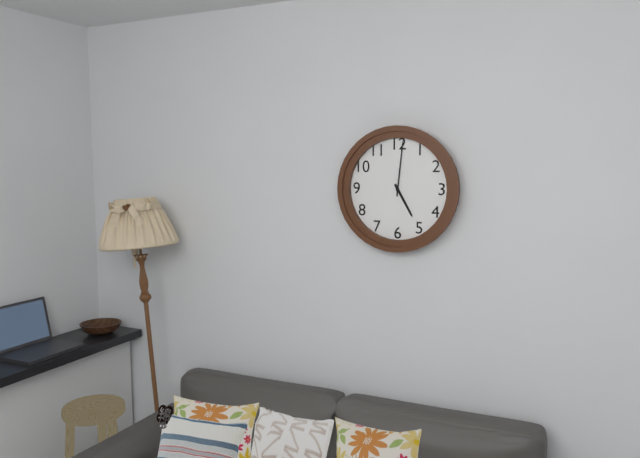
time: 5:01
